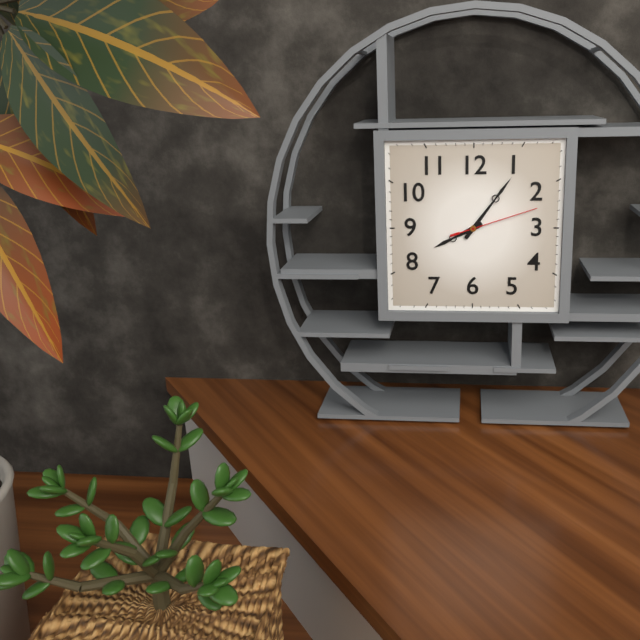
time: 8:06:12
